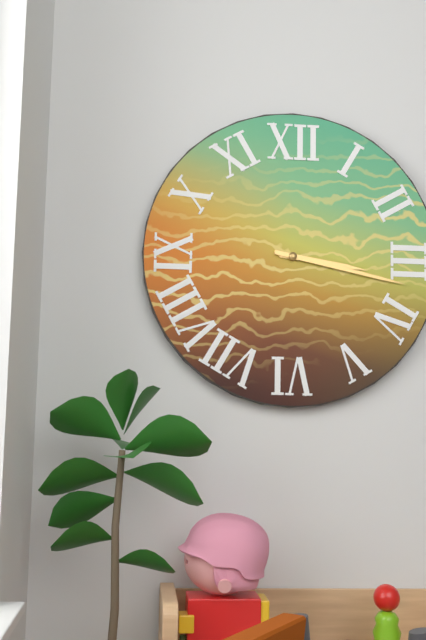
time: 3:17
